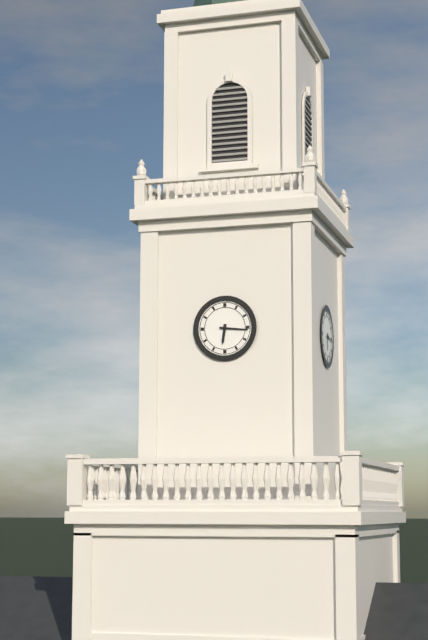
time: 6:16
